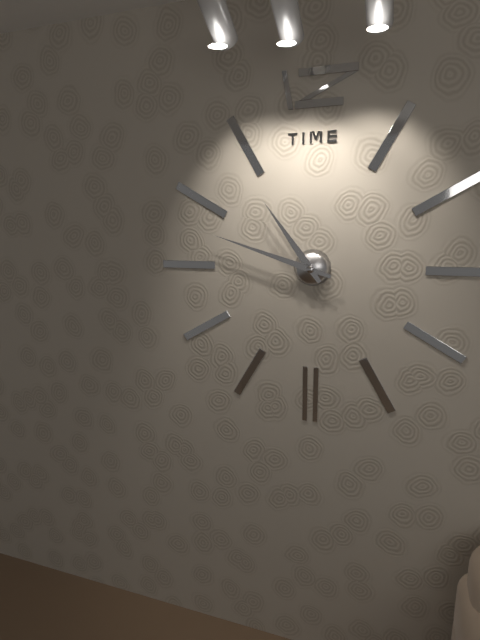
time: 10:48
